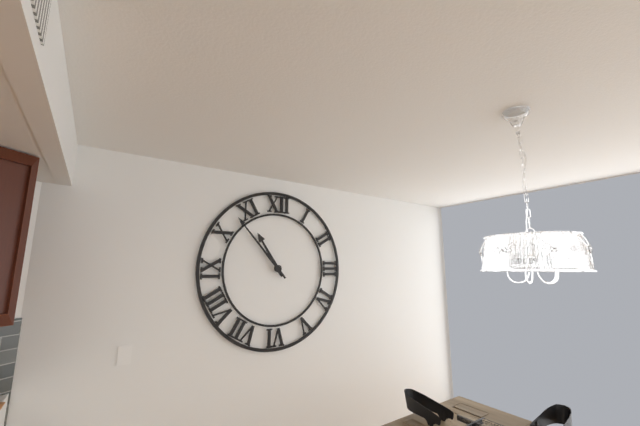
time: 10:53
